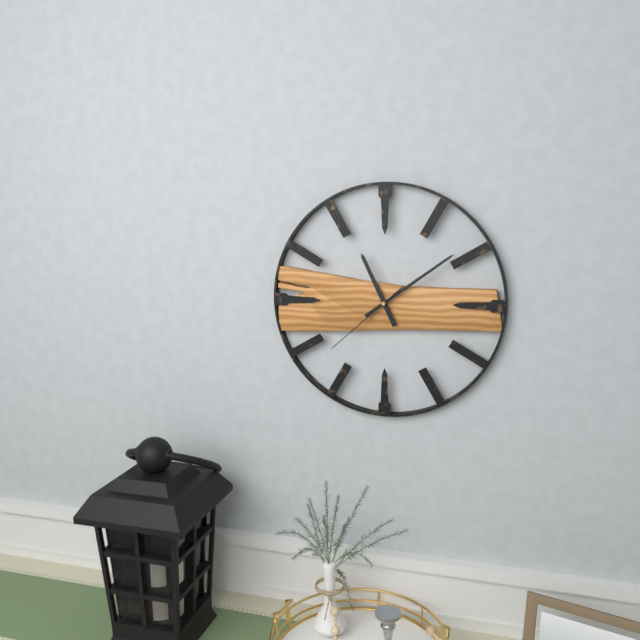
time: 11:09:38
